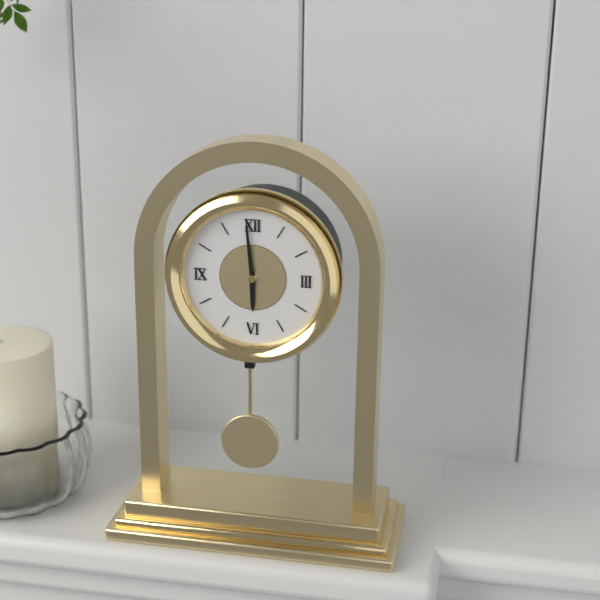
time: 5:59
